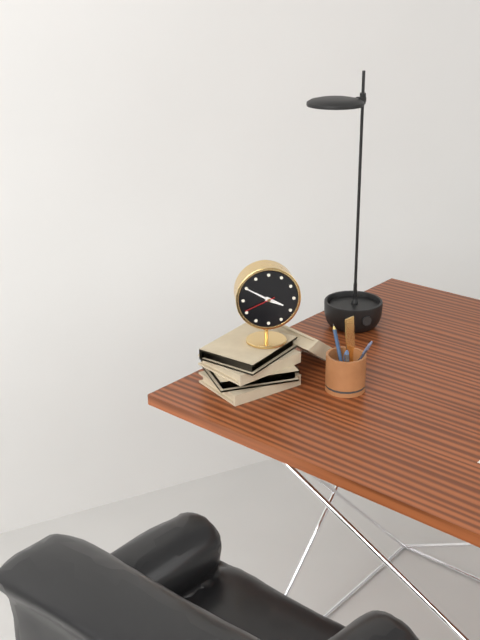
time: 3:50
